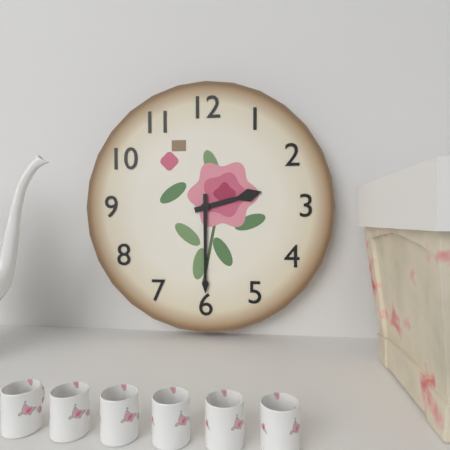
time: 2:30
